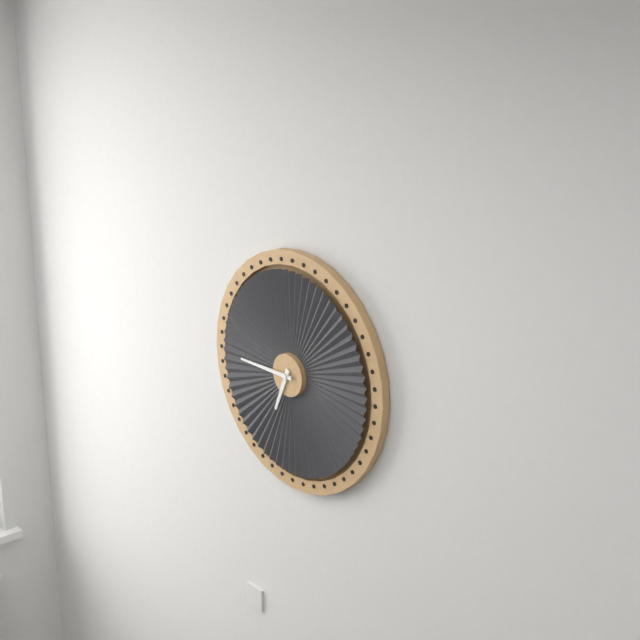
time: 6:45
